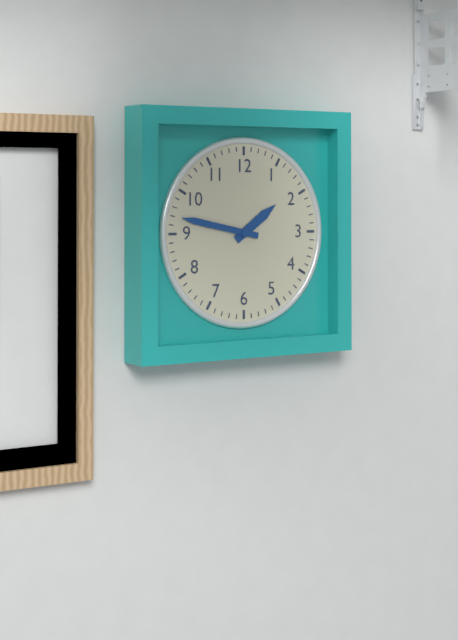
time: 1:47
